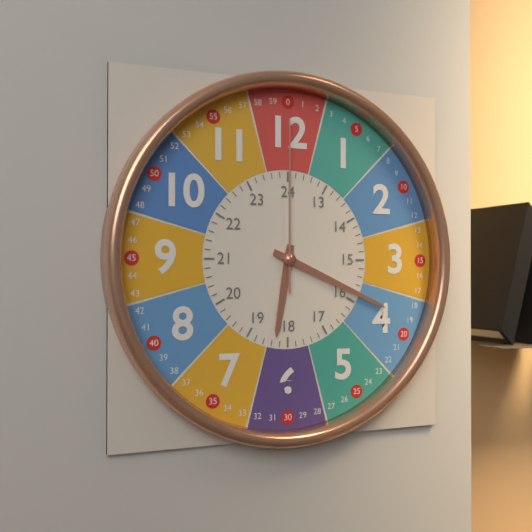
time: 6:19:00
